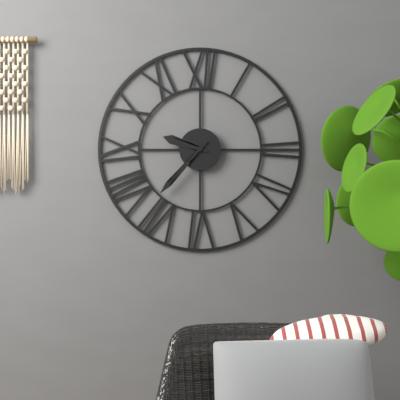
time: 9:37
